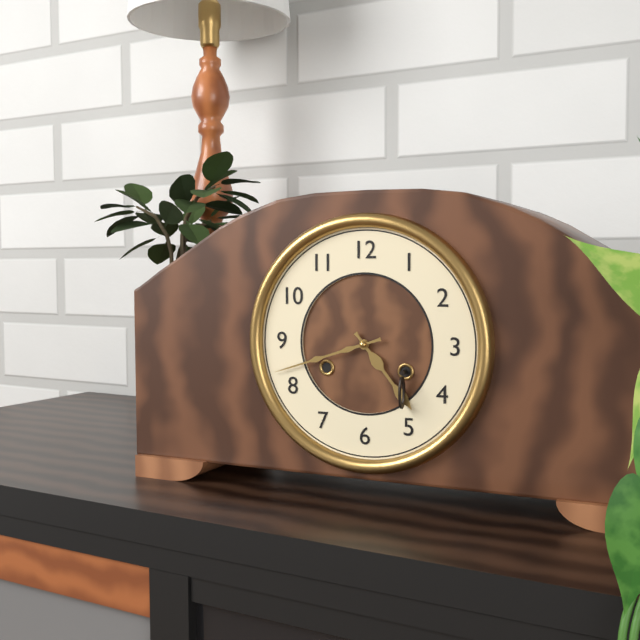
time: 4:42
